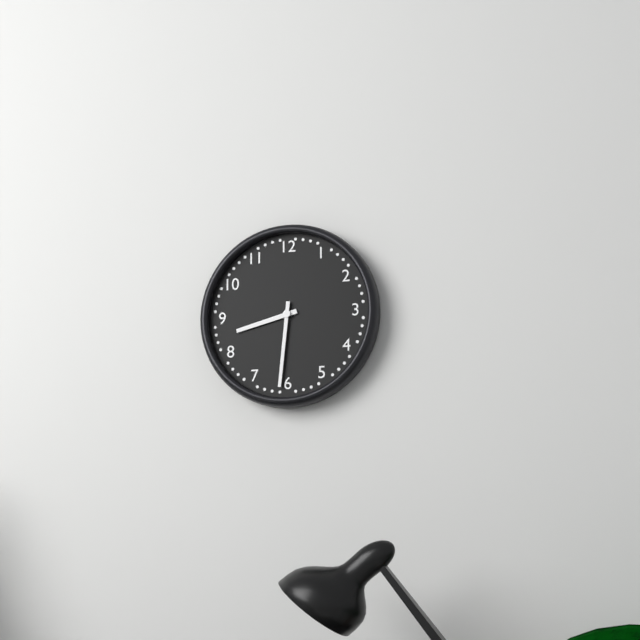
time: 8:31
